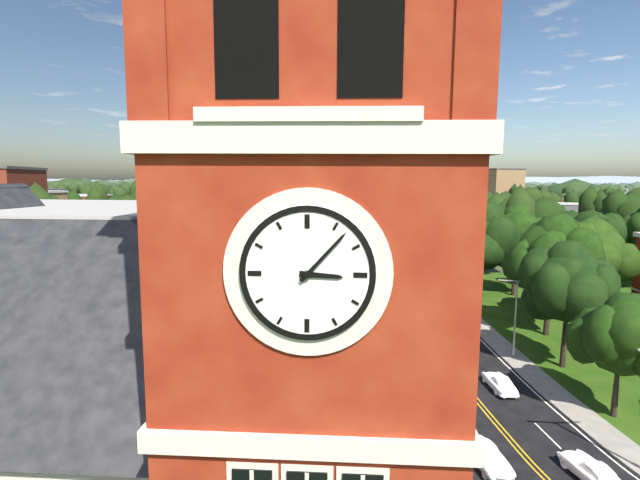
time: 3:07
